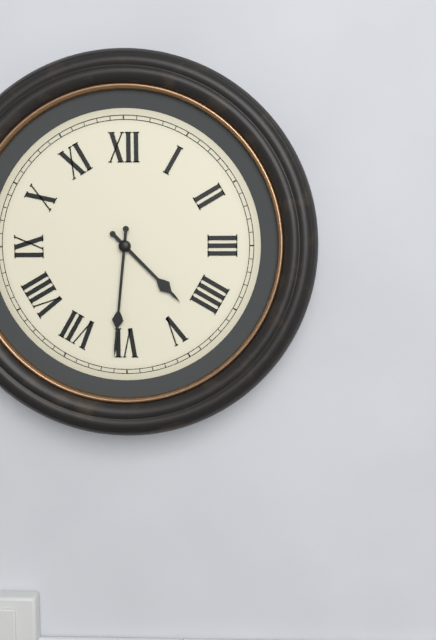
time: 4:31
